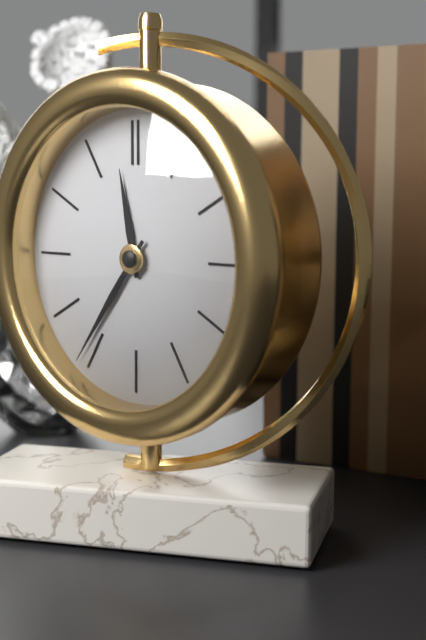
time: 11:36
